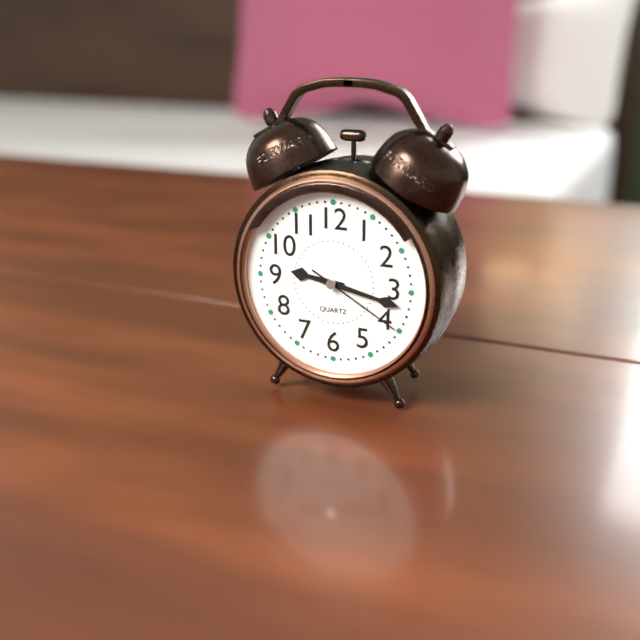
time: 9:17:20
